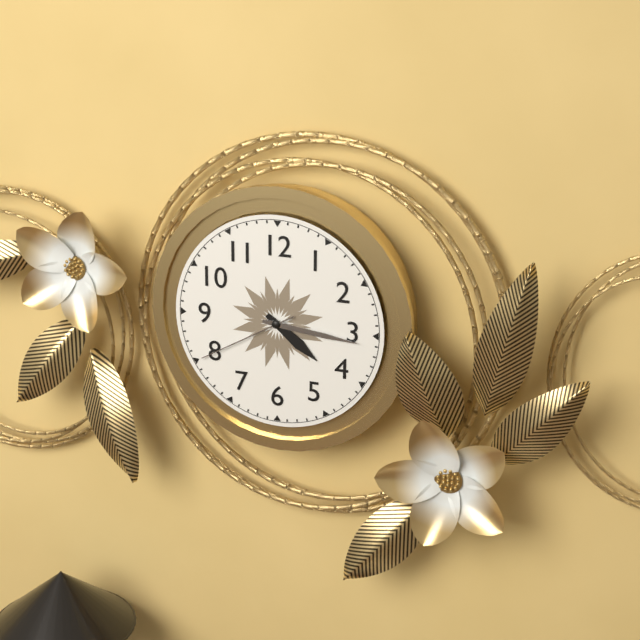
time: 4:16:40
